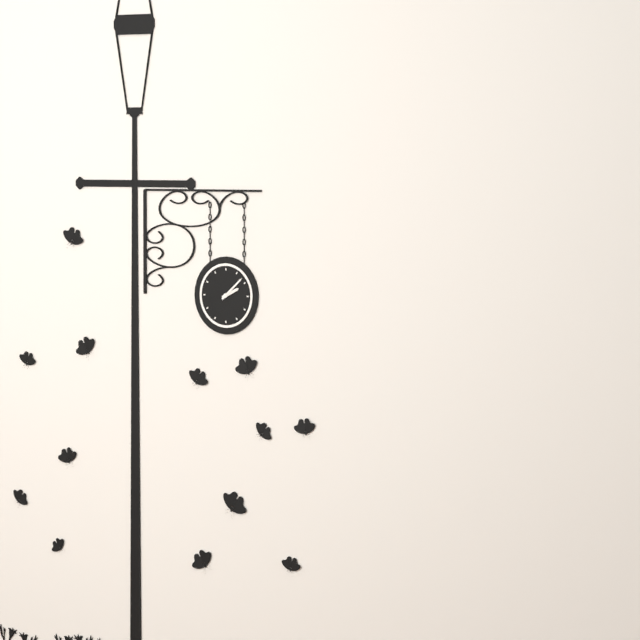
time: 2:08
